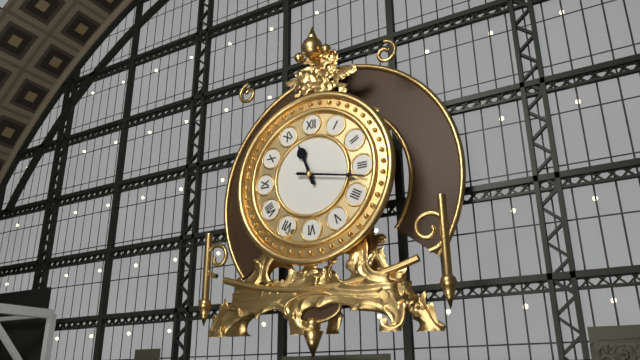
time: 11:17
